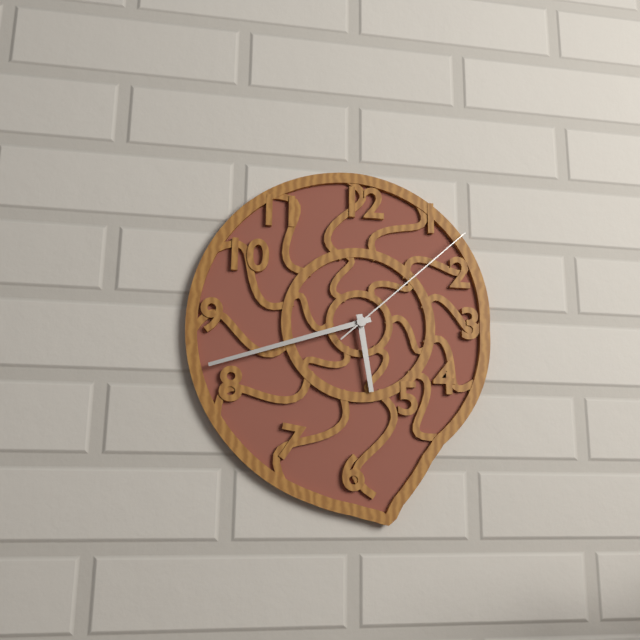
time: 5:42:08
